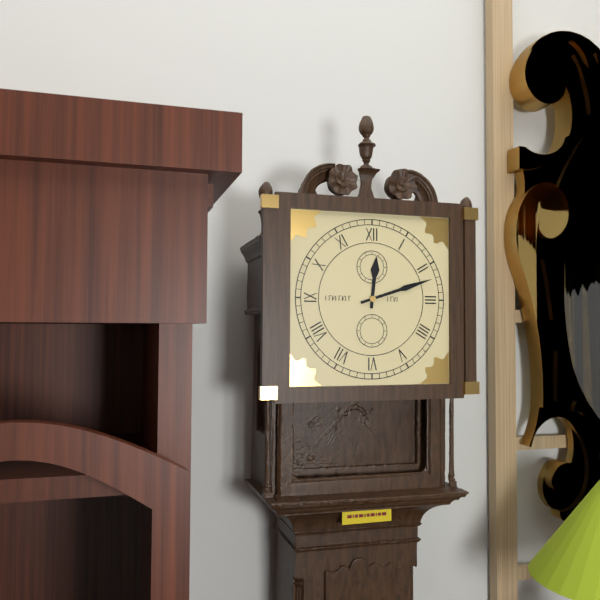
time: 12:12
